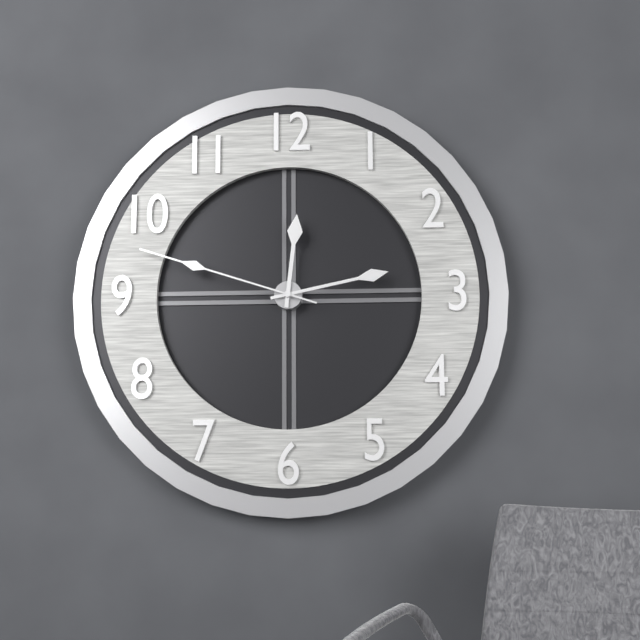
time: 12:13:48
